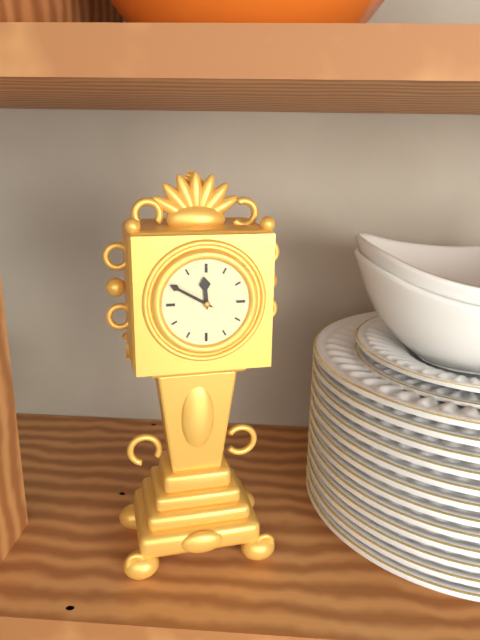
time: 11:50
